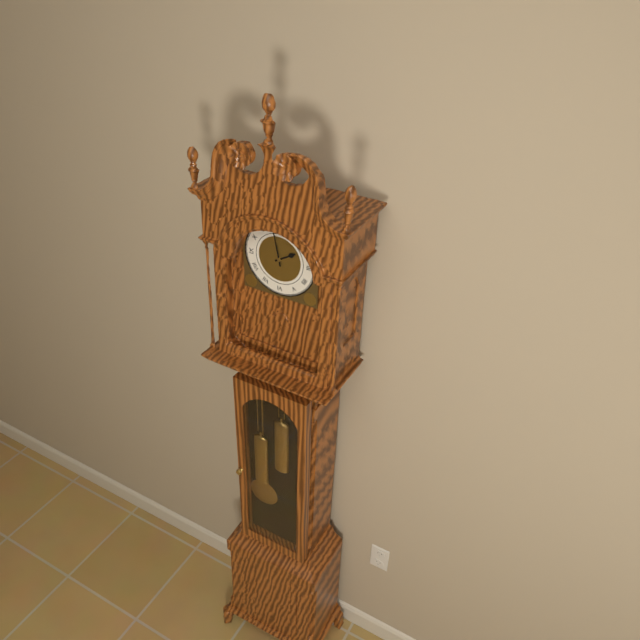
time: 1:58
